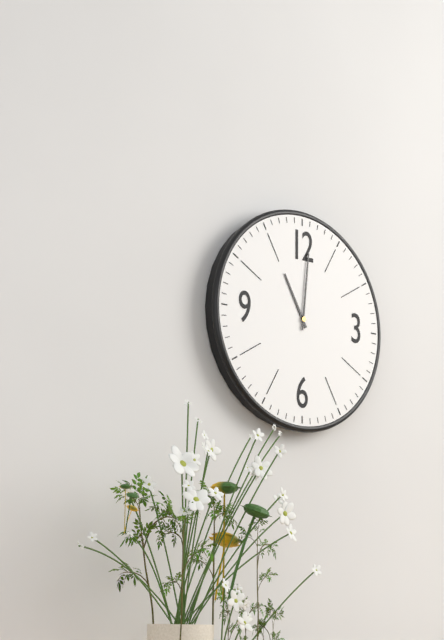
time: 11:01
